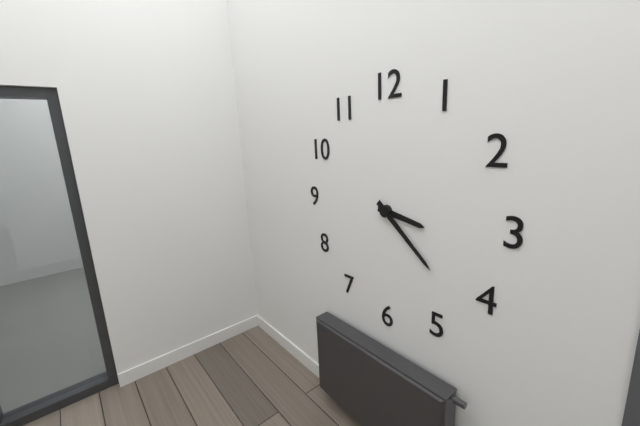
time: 3:22
